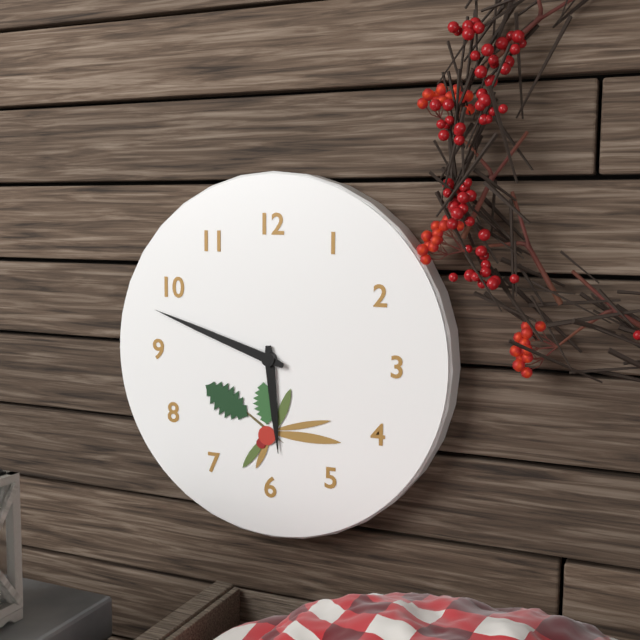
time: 5:48
